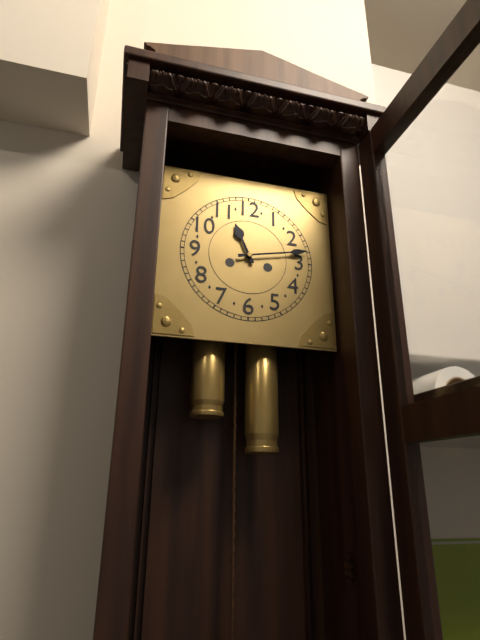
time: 11:13
